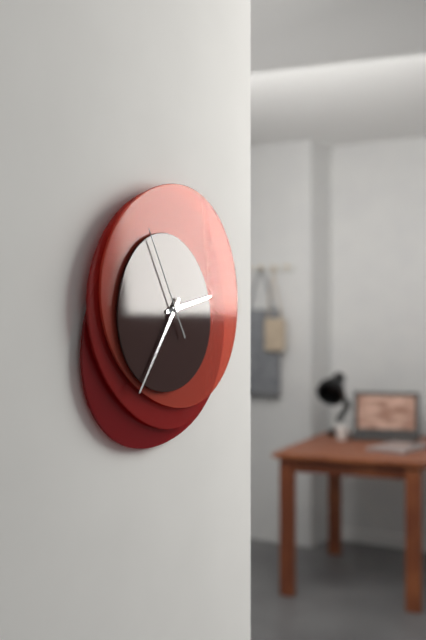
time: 2:36:55
